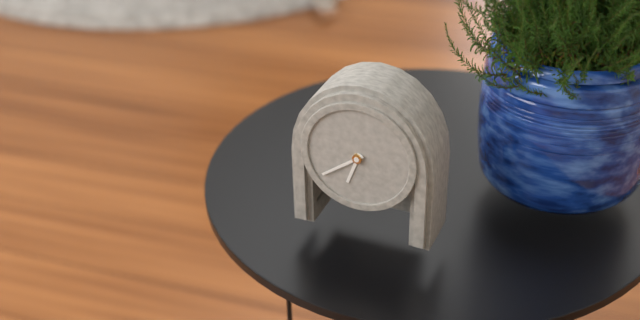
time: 6:39
